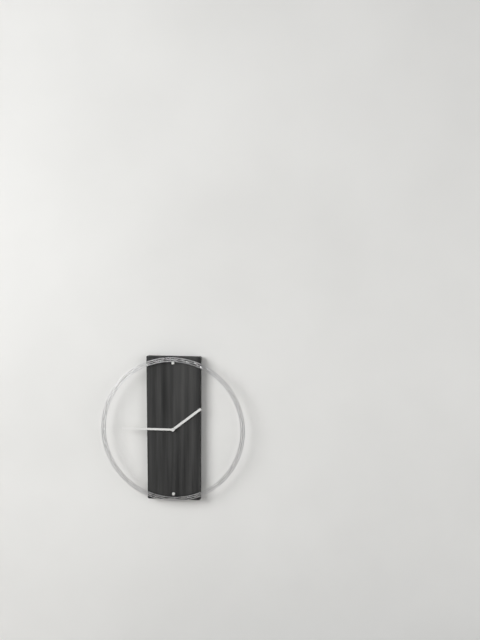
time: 1:45
